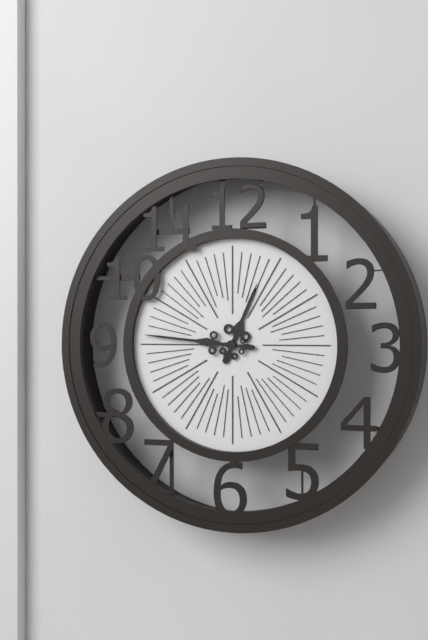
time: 12:46
